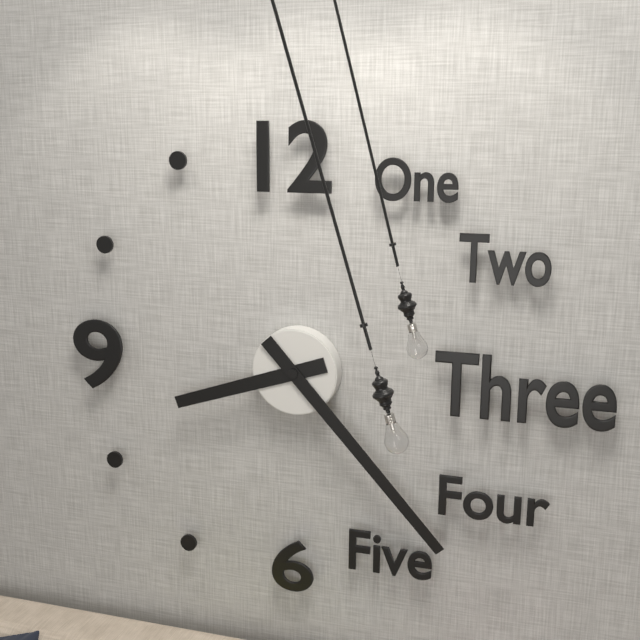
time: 8:23
